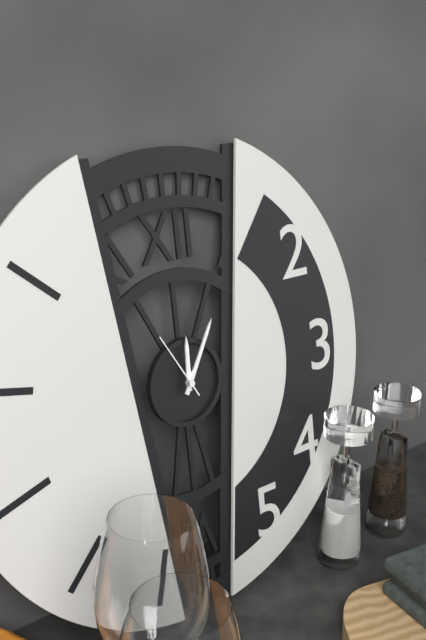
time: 12:05:55
